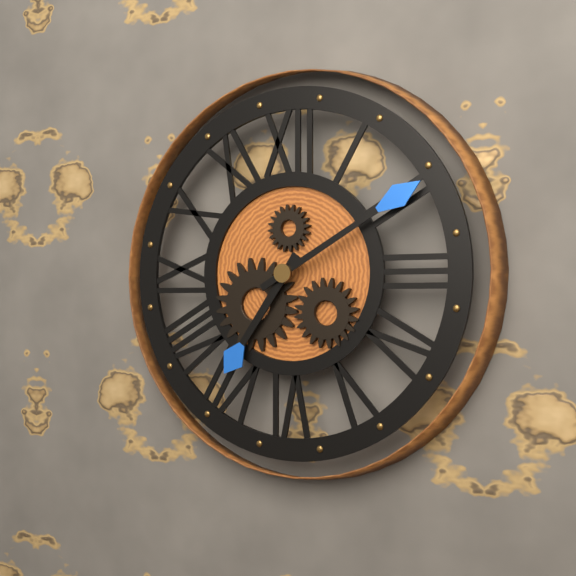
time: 7:10
